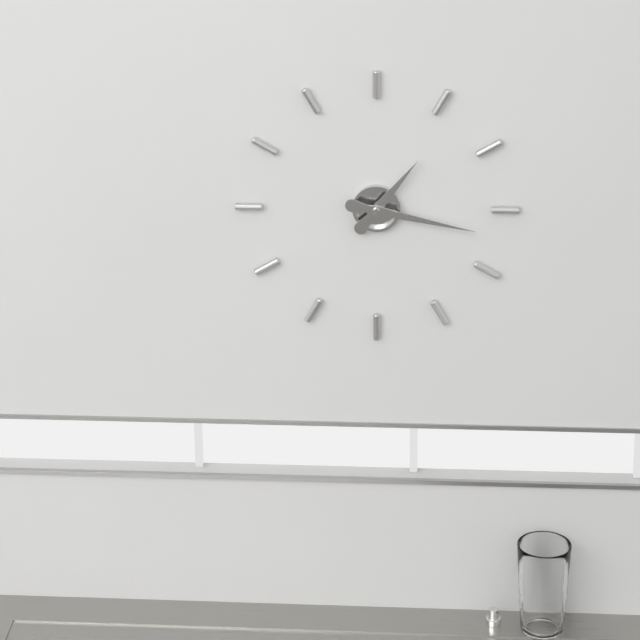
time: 1:17
